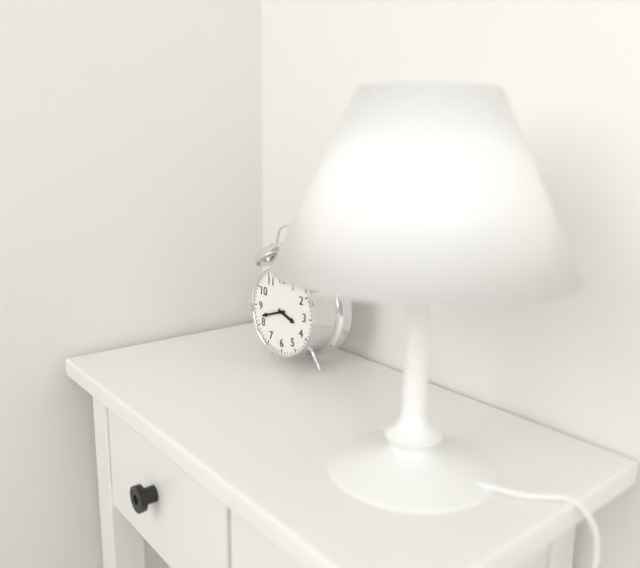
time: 3:42
